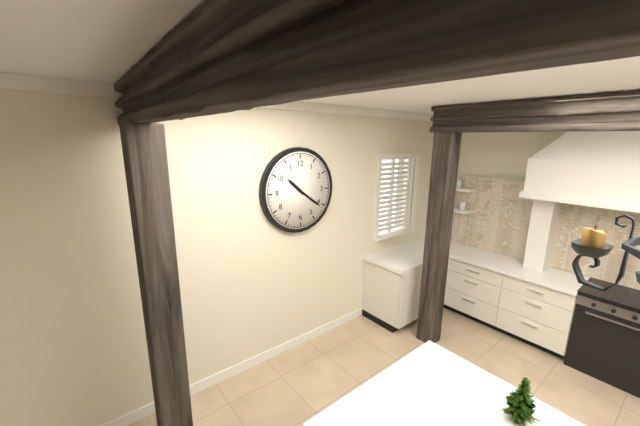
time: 10:21
